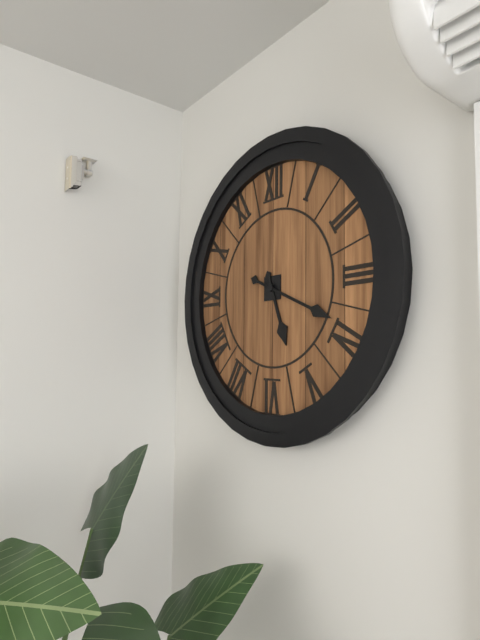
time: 5:19
